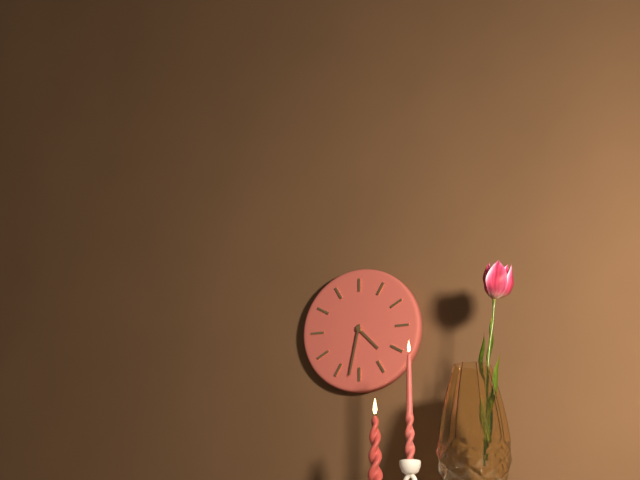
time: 4:32
